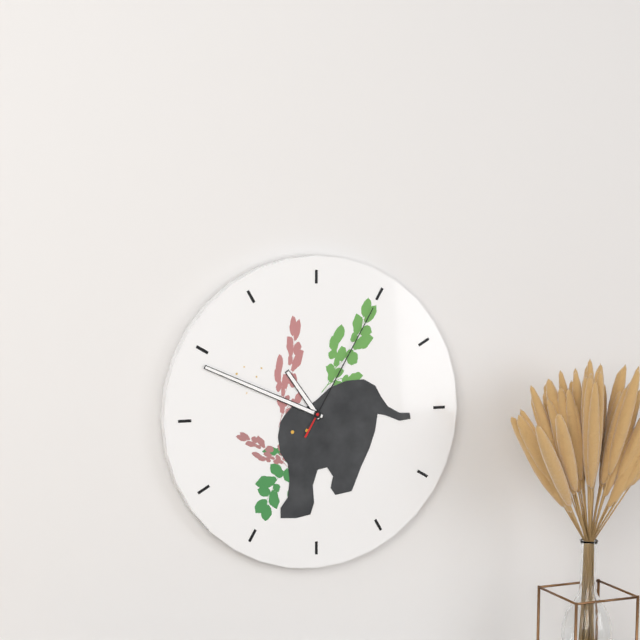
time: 10:49:05
